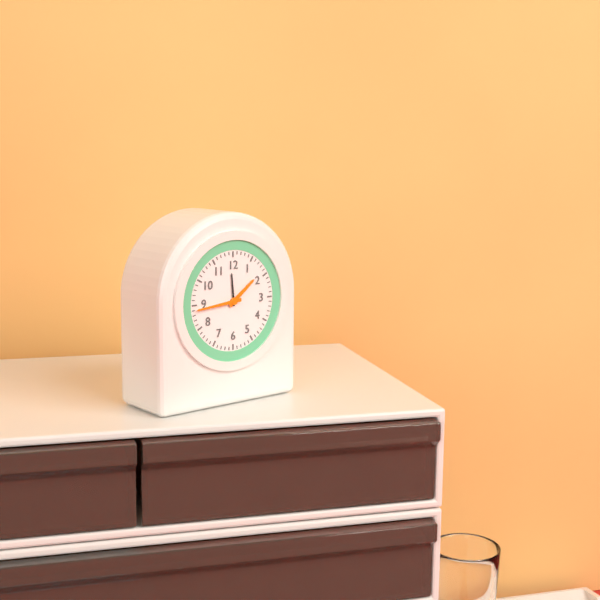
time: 1:44
